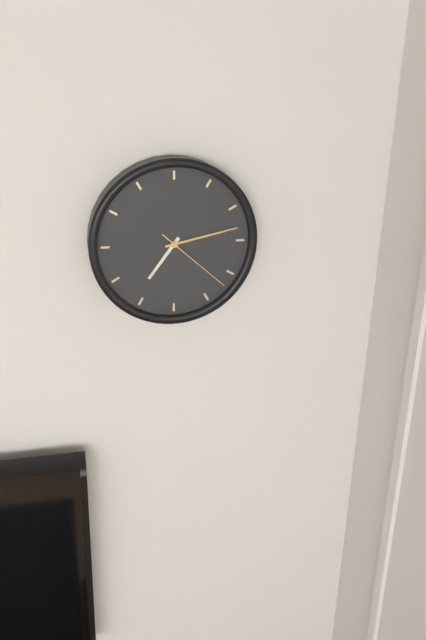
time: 7:13:22
